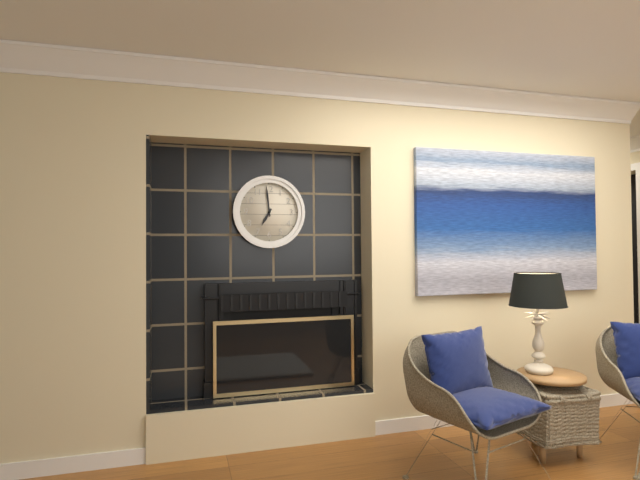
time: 6:59
